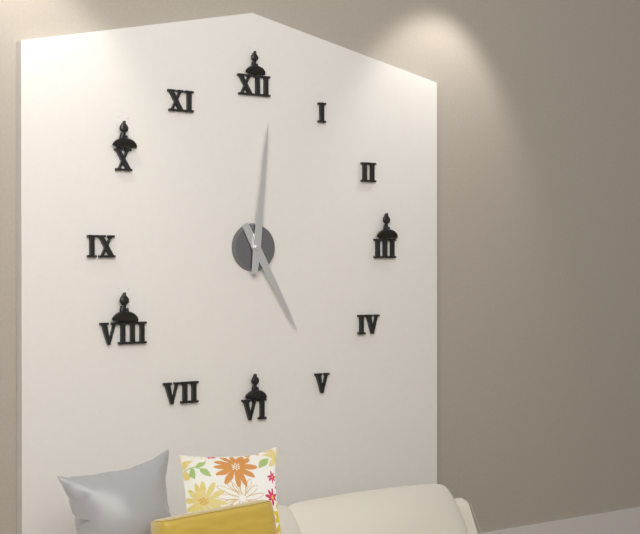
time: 5:01
